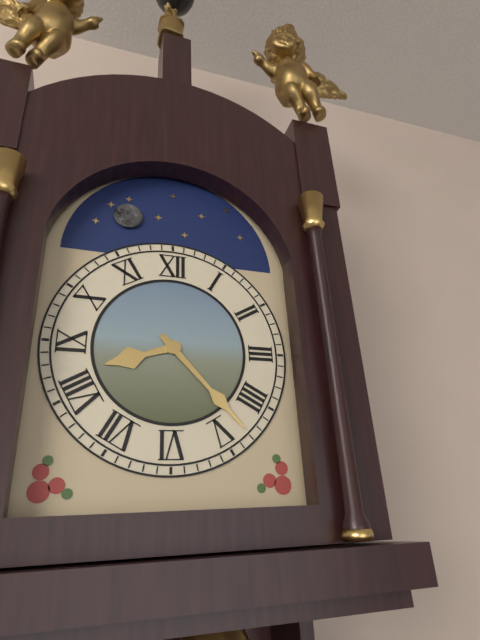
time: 8:23
